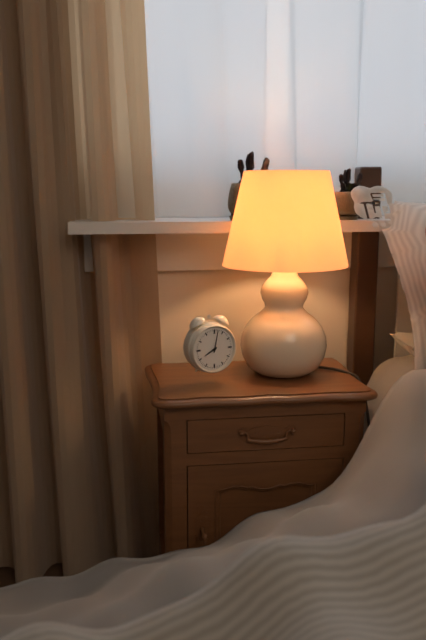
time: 8:02
